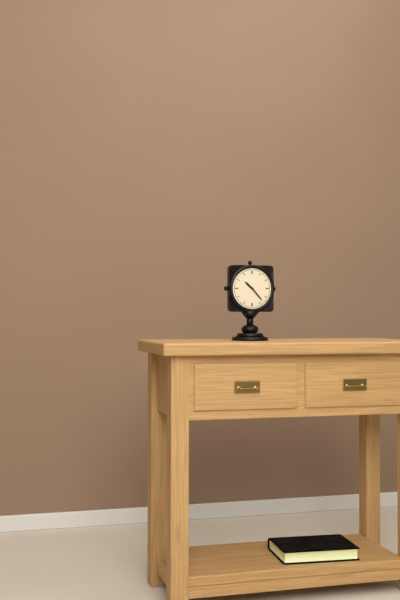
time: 10:23
